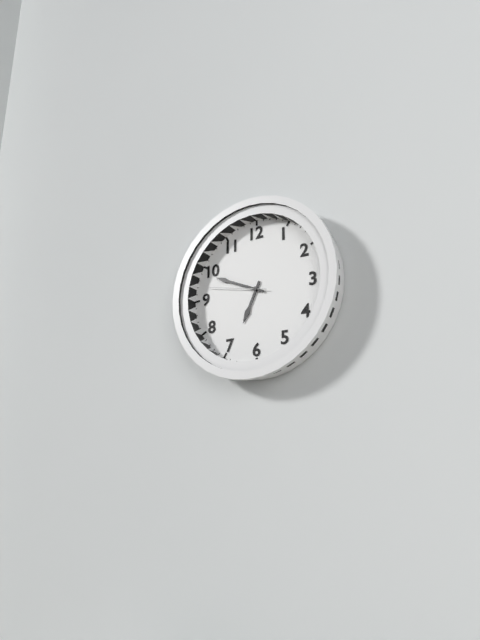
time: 6:49:47
